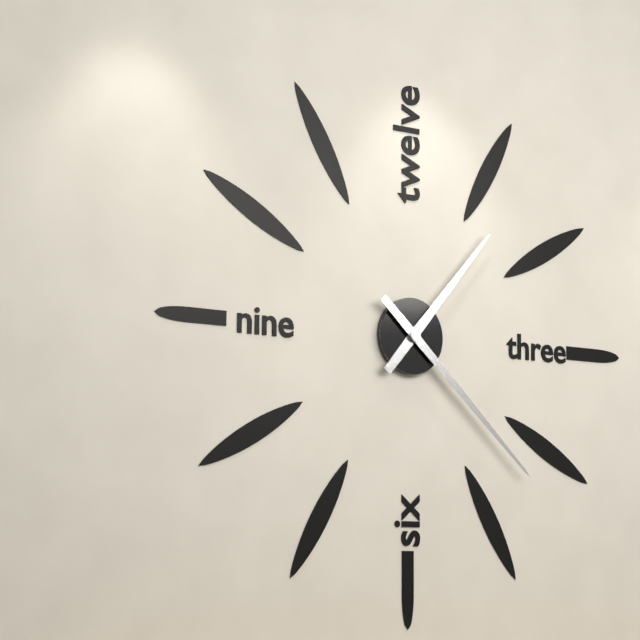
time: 1:22
